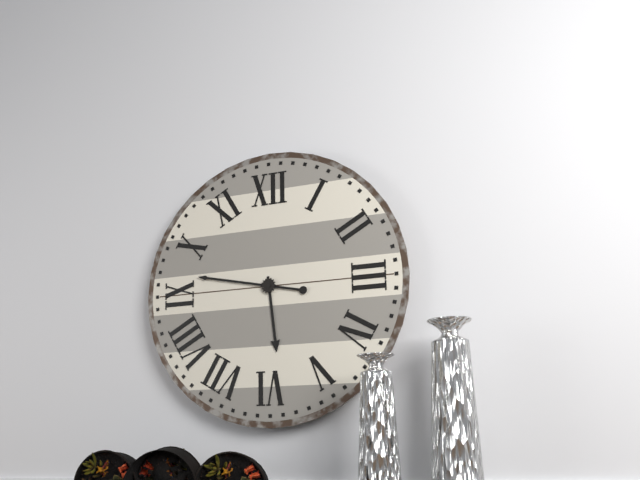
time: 5:47
